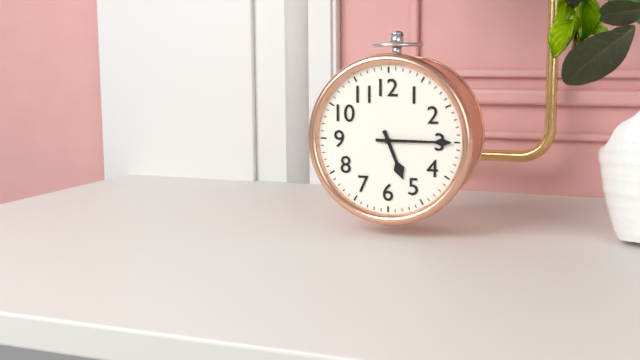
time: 5:15
